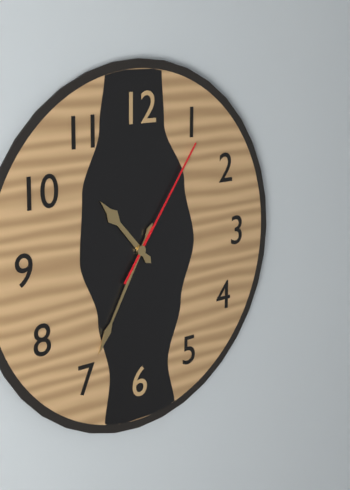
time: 10:35:06
